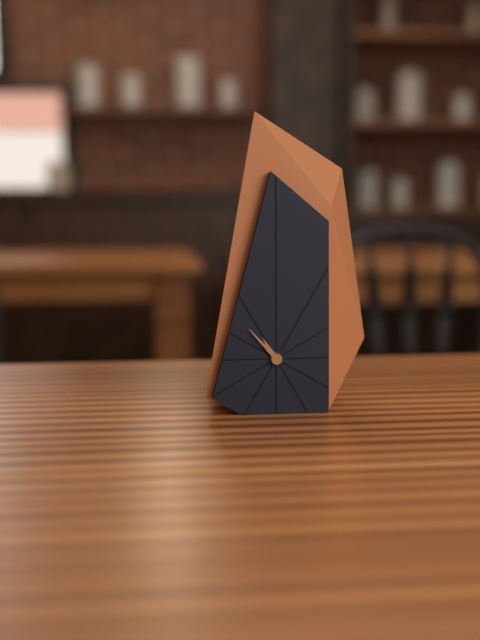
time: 10:53
